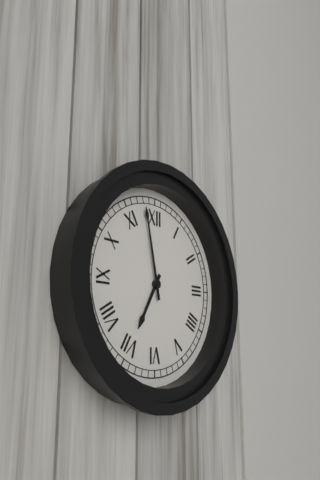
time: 6:58
